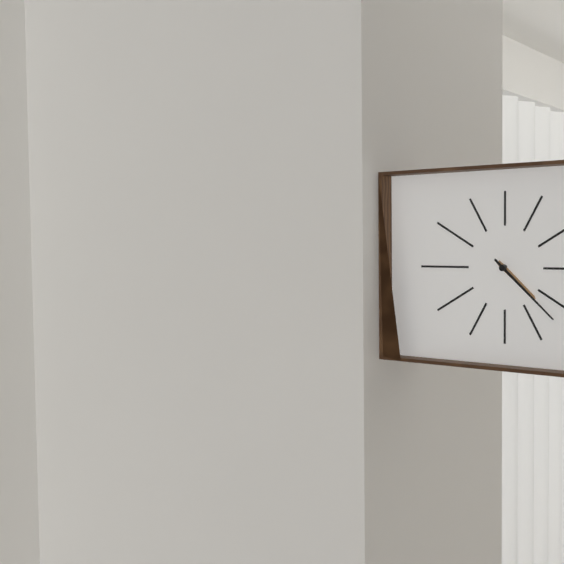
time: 4:22
